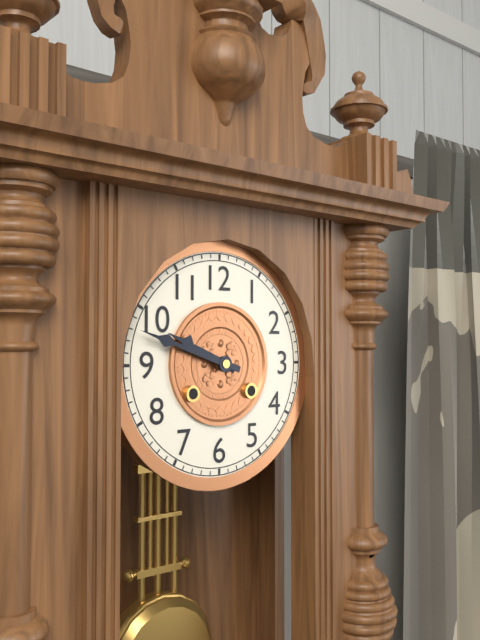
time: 9:48
